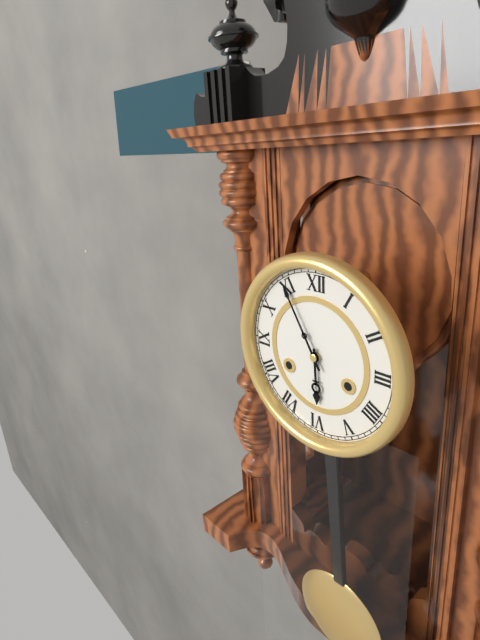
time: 5:55
